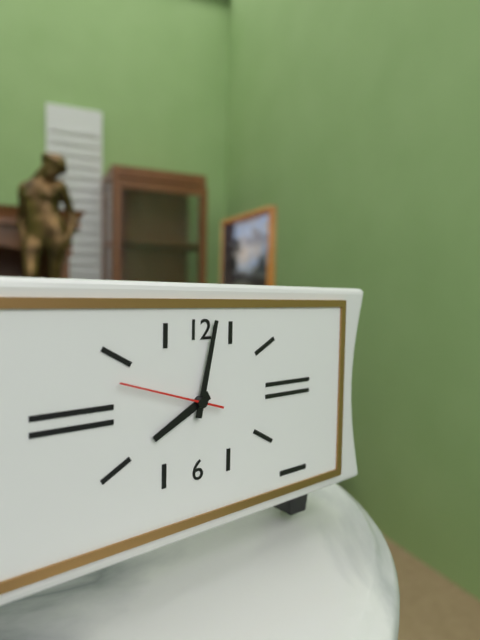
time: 8:02:48
